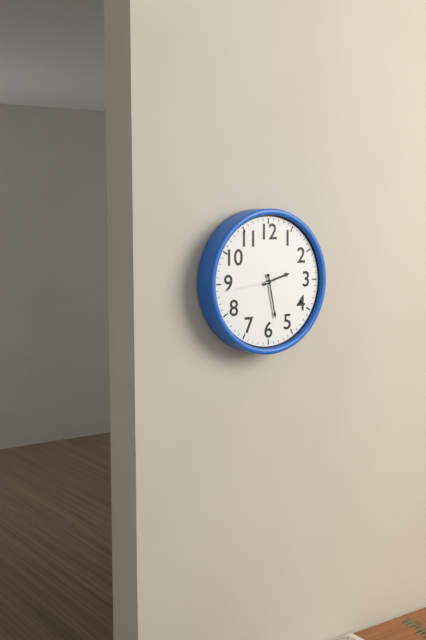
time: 2:28:44
